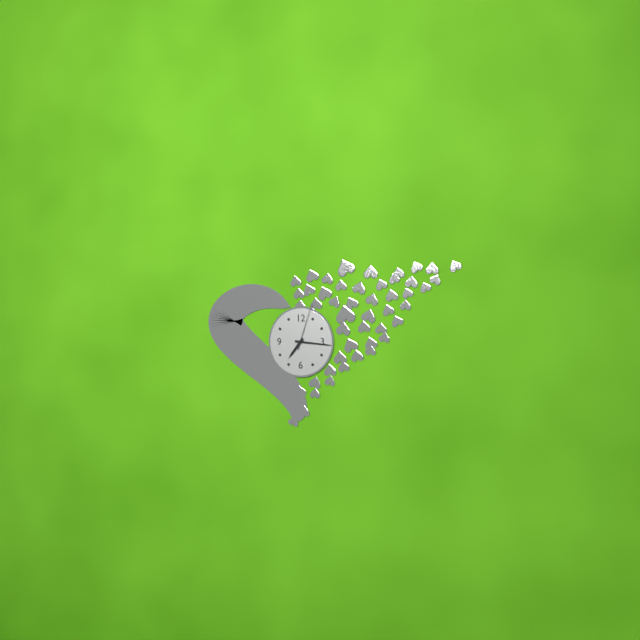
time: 7:16
